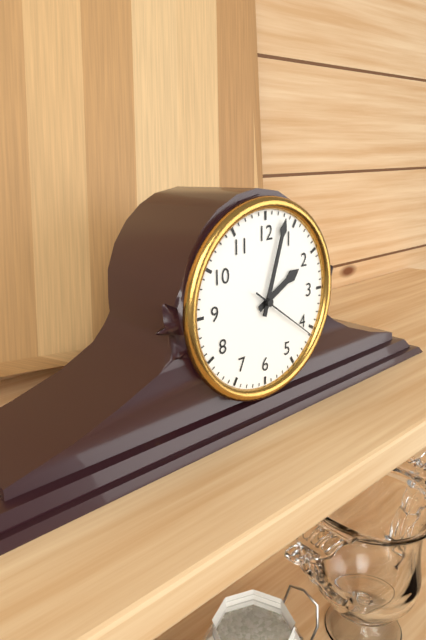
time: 2:03:21
